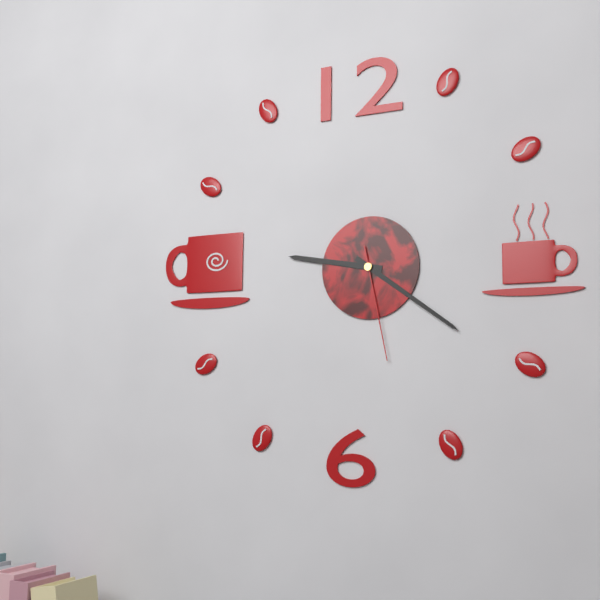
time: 9:21:28
